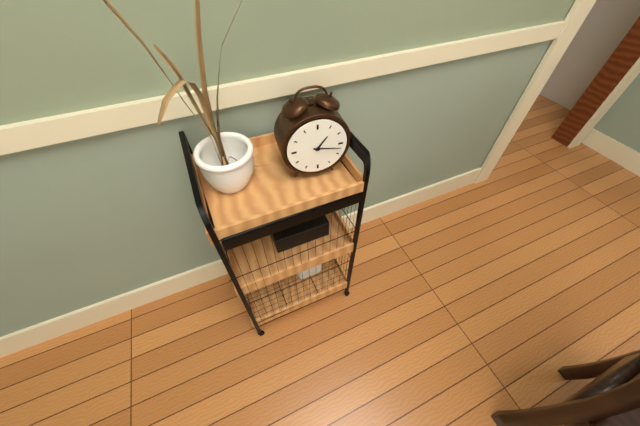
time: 1:17
